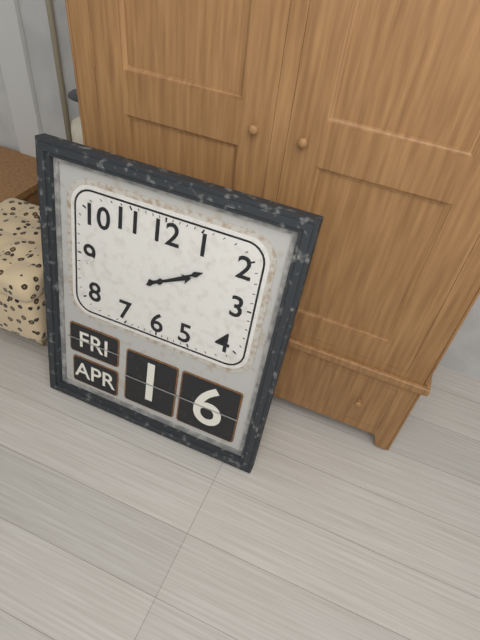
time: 2:10
